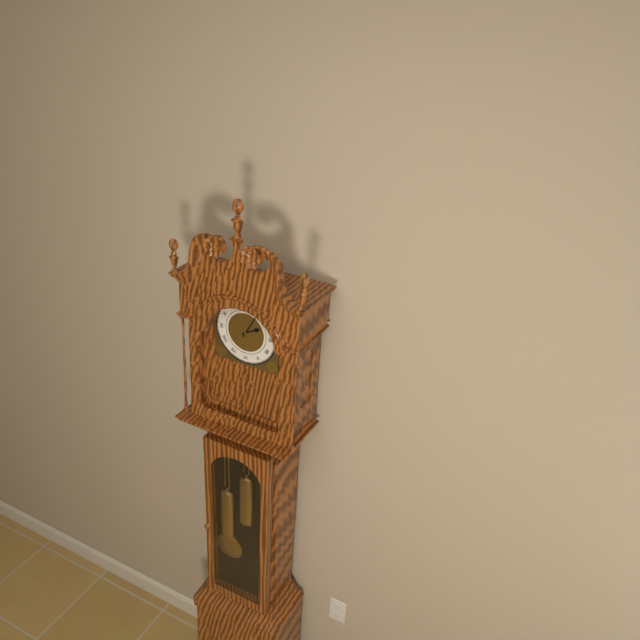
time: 2:05
